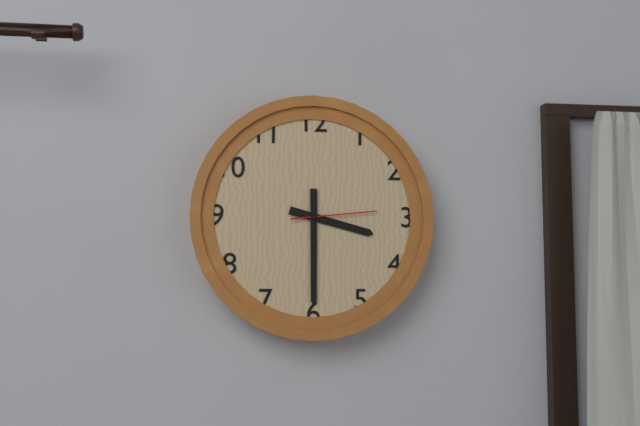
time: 3:30:14
